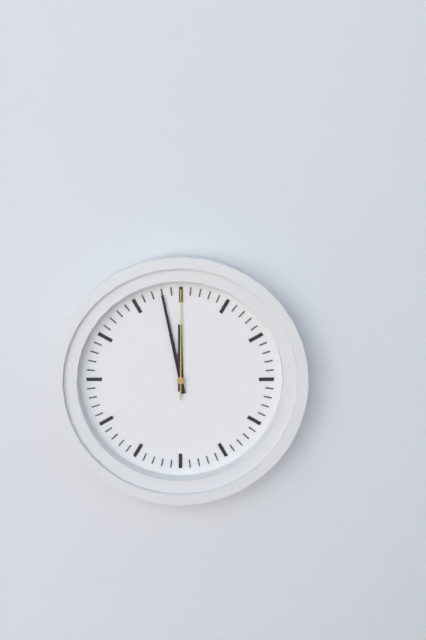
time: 11:58:00
